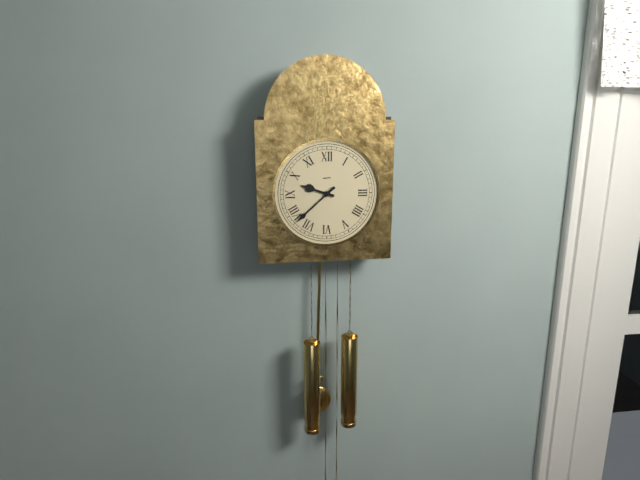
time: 9:38
